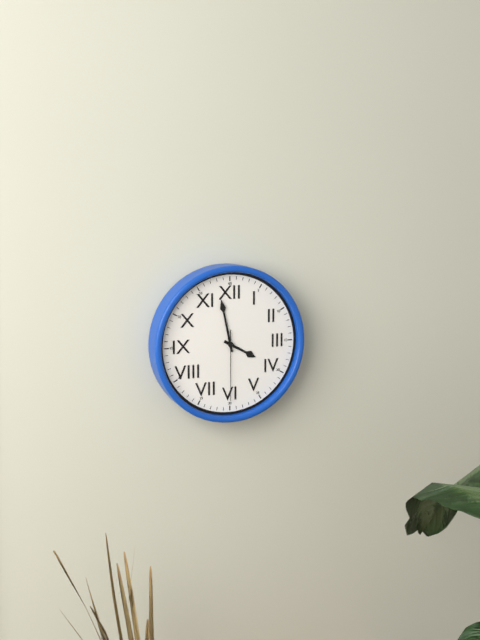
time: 3:58:30
